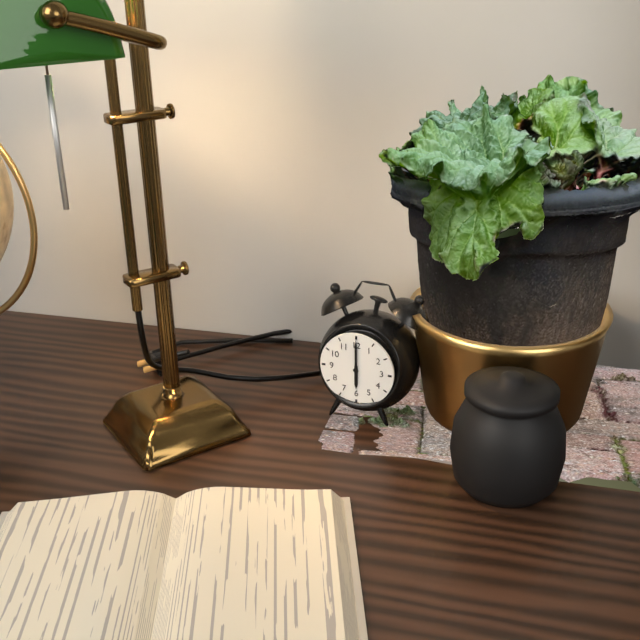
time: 6:00
